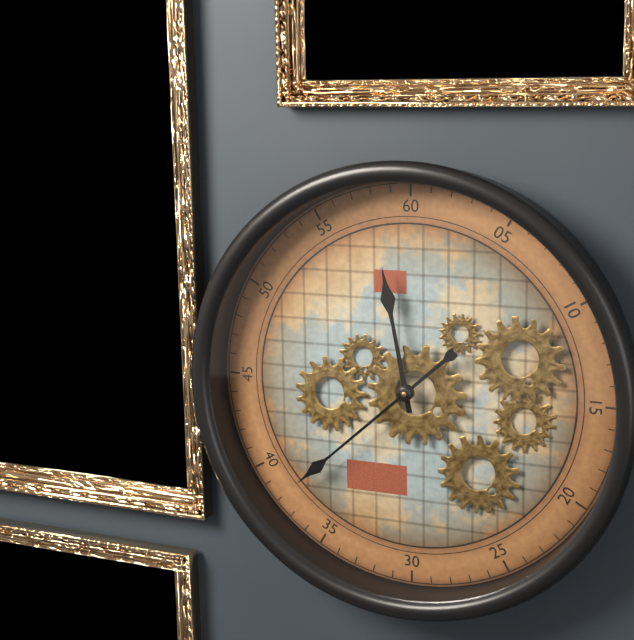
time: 11:38
